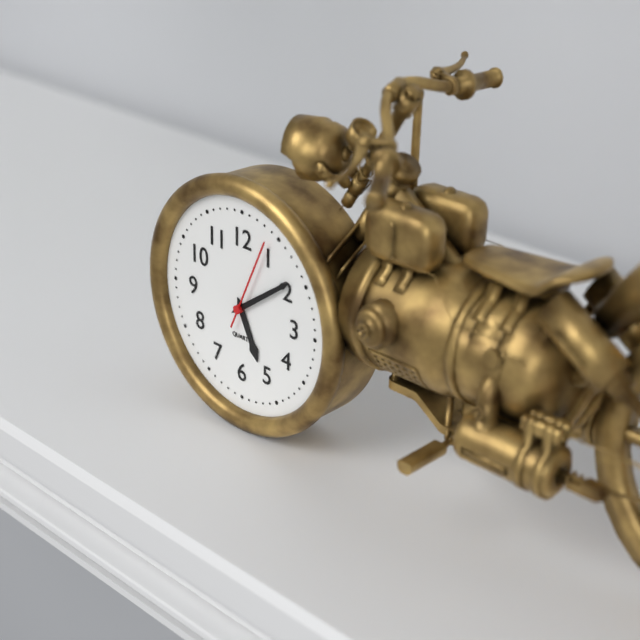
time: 5:09:04
